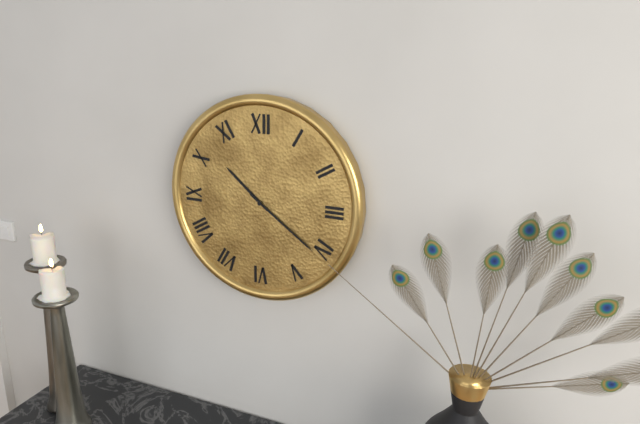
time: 10:21
